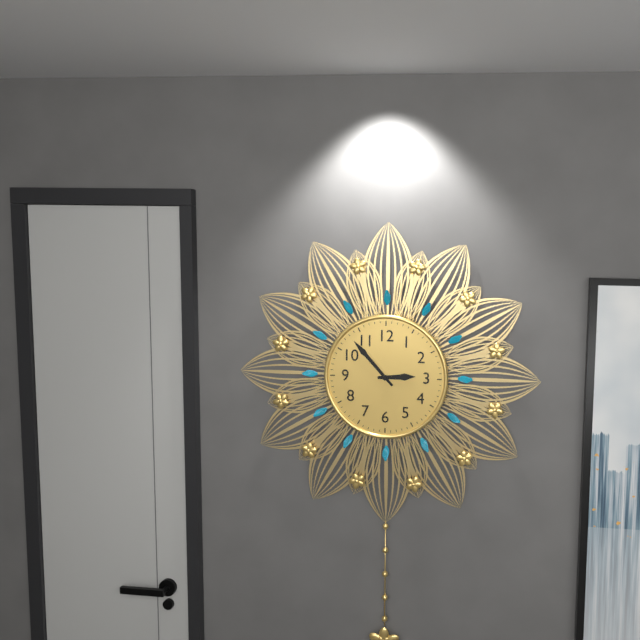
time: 2:53
